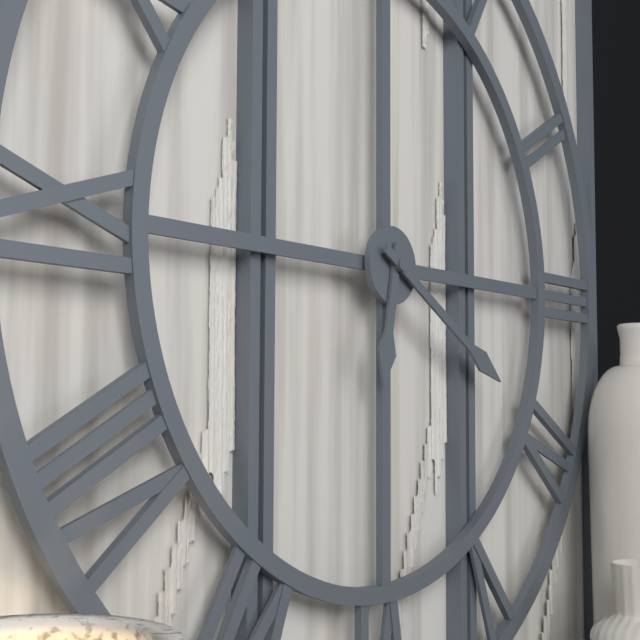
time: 6:20
